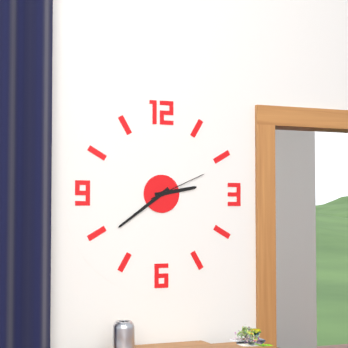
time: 2:39:11
